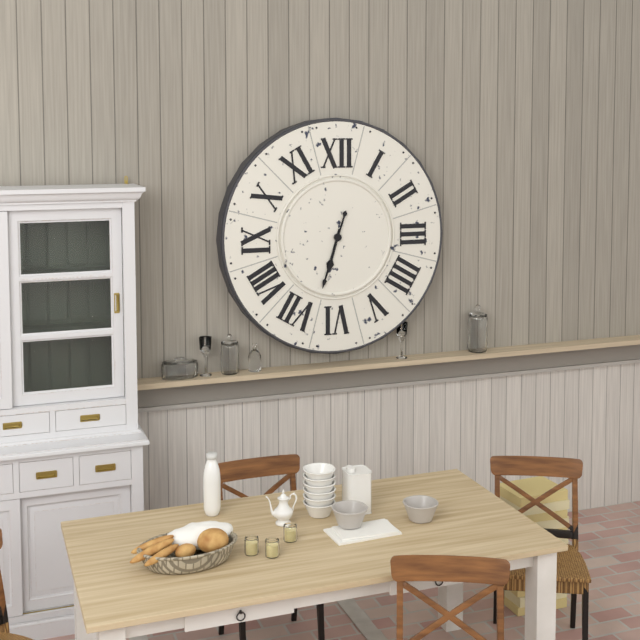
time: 6:33
